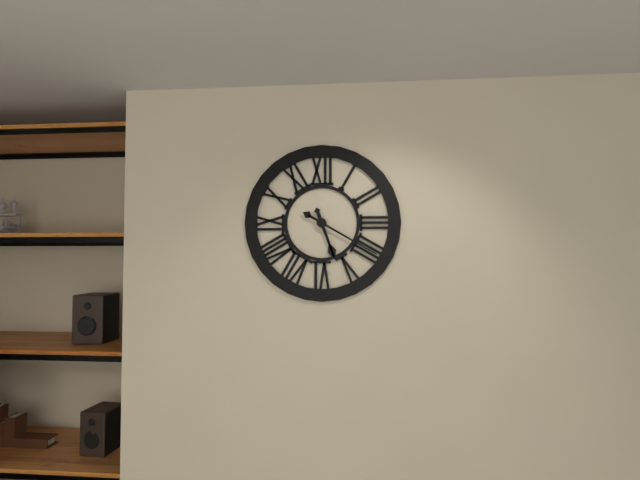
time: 5:20
